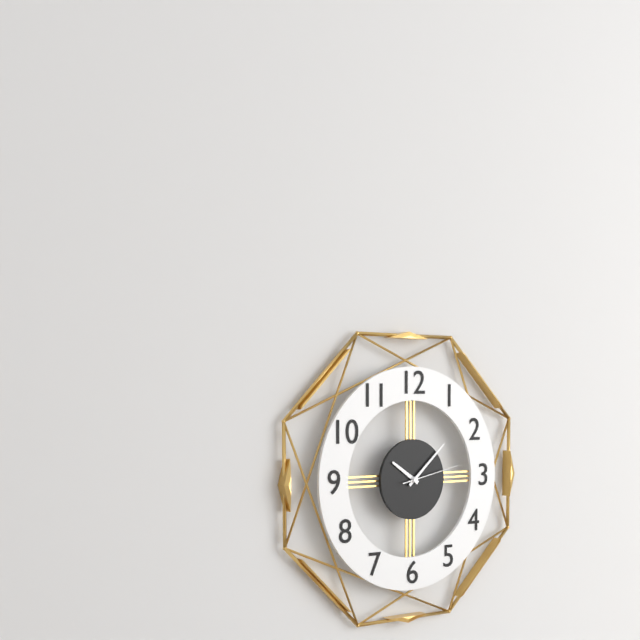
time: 10:08:13
